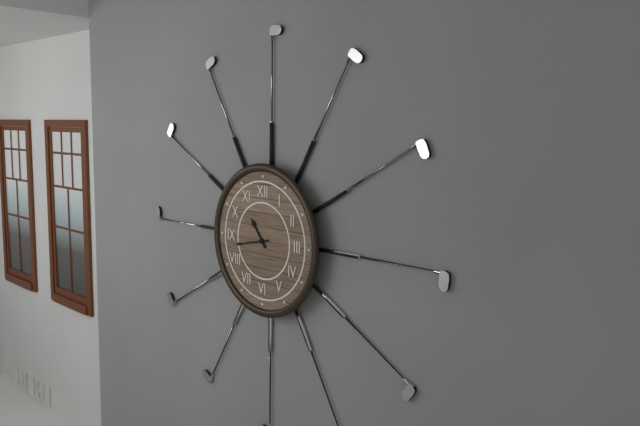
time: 10:43
